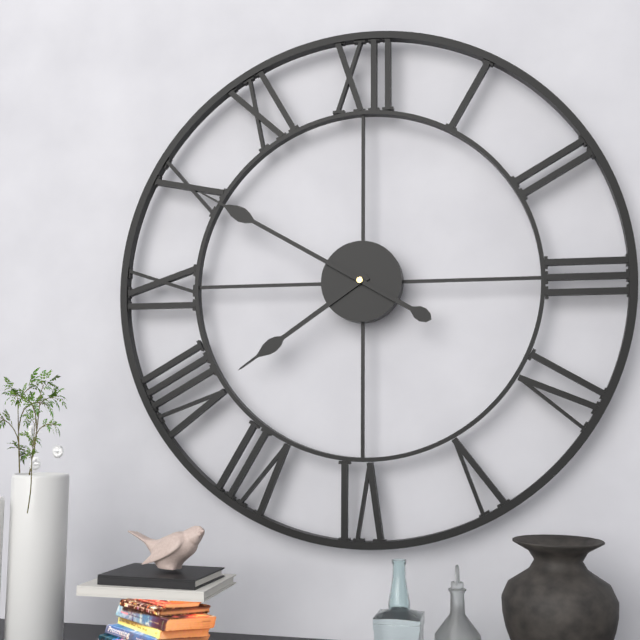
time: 7:50
